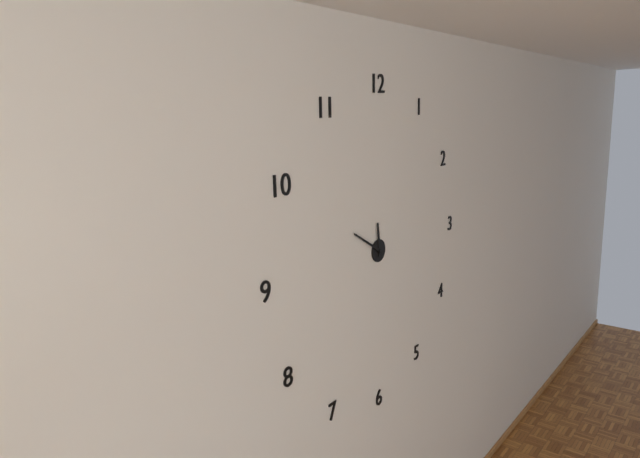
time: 11:50
